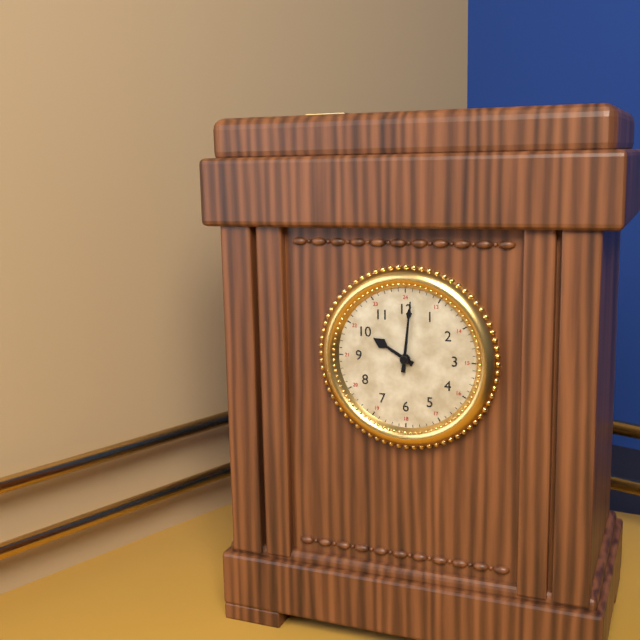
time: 10:01
